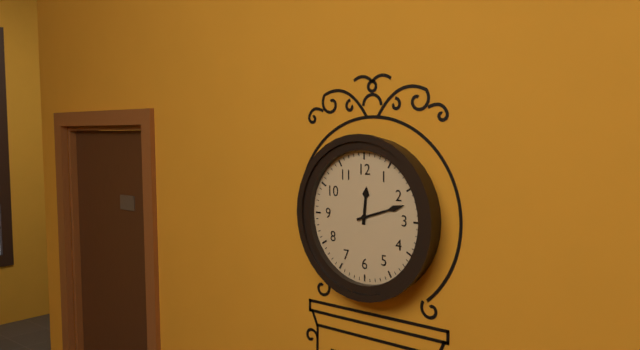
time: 12:12
